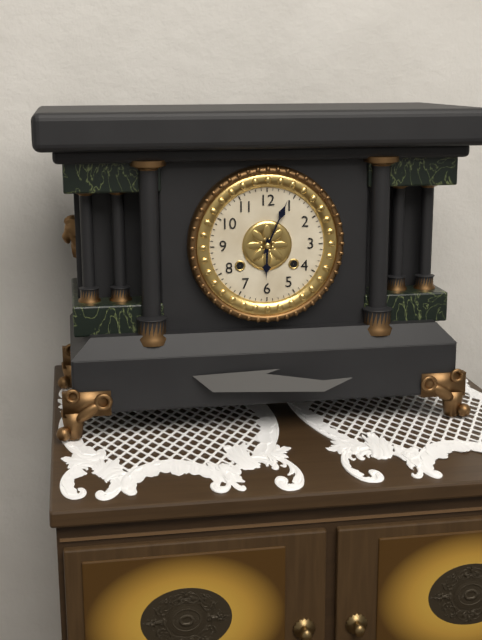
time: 6:04
